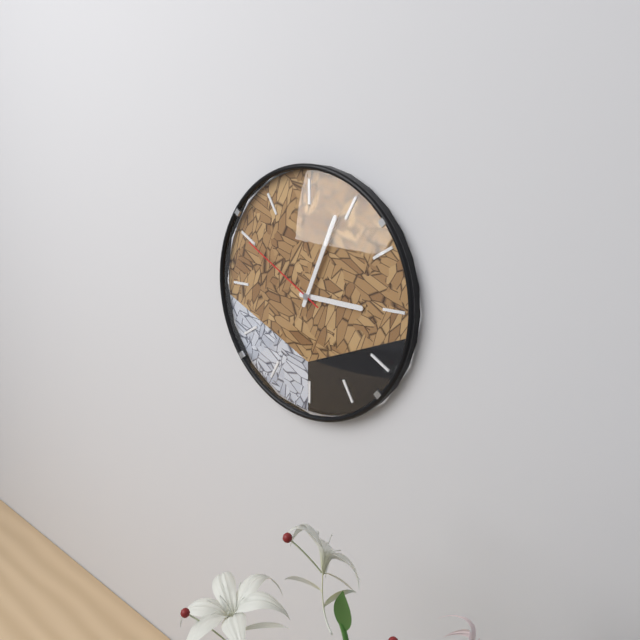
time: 3:04:50
